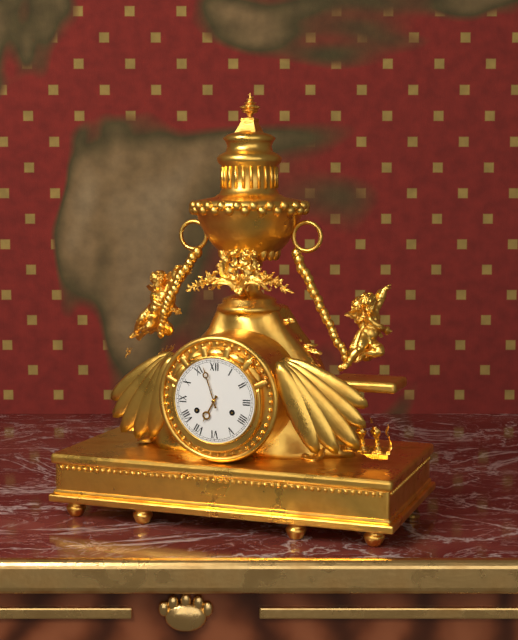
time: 6:57
